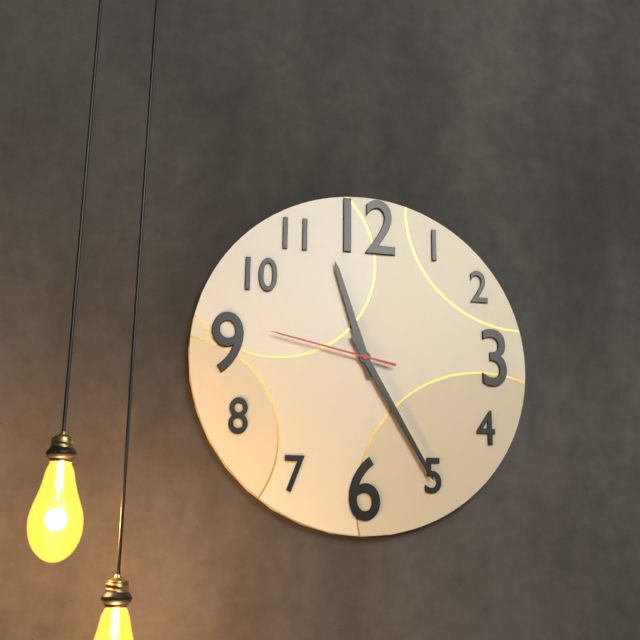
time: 11:25:47
